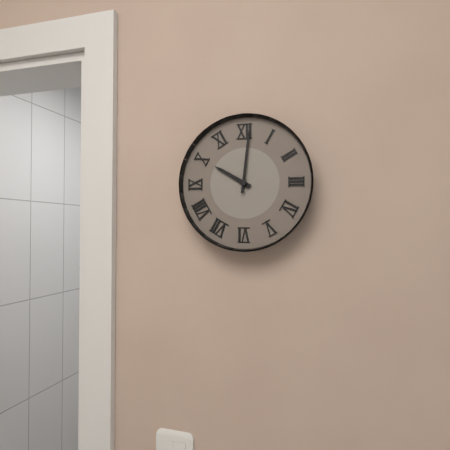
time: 10:01
